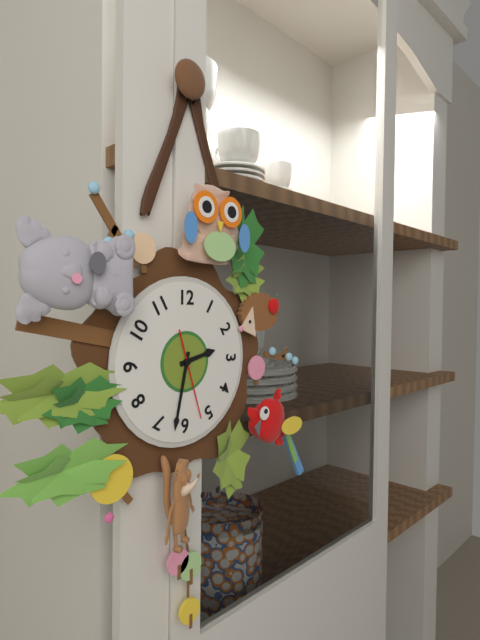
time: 2:32:27
